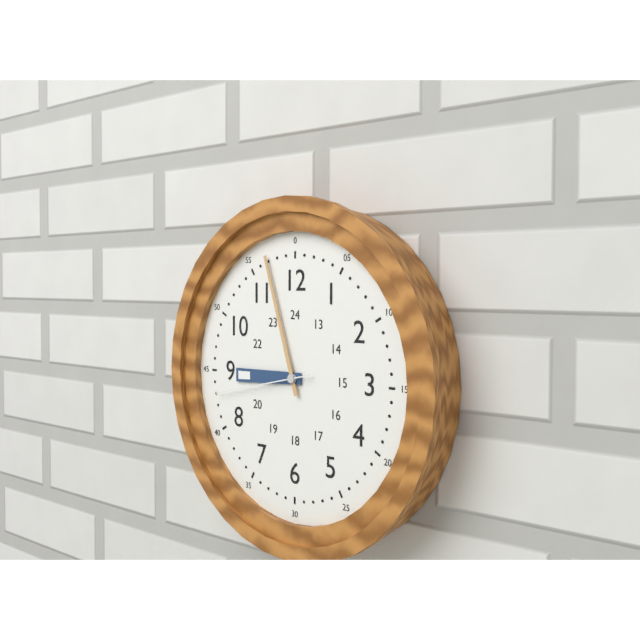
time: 8:57:43
